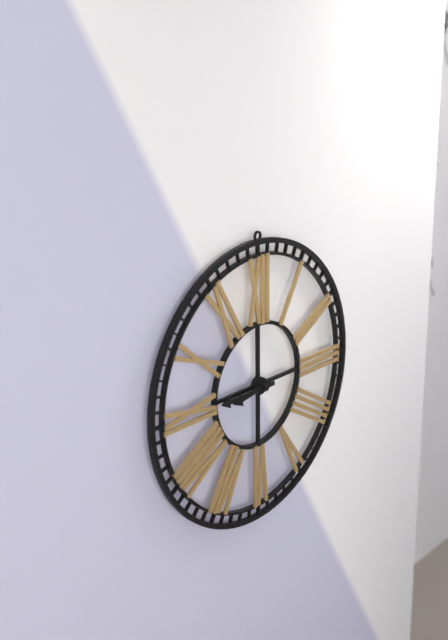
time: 8:45
